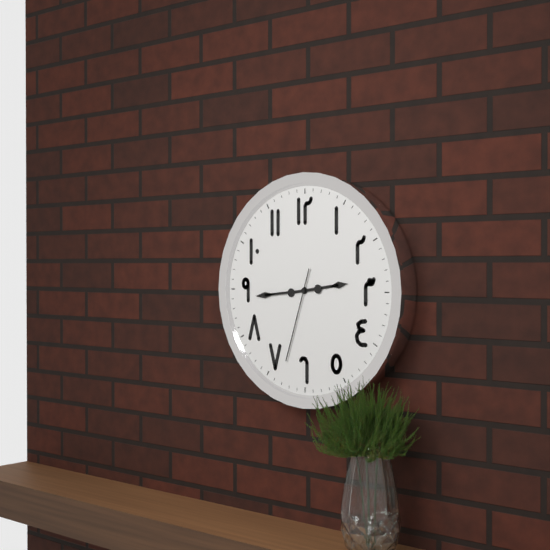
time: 2:44:33
